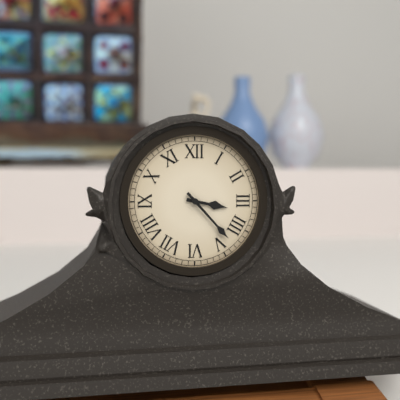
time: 3:23
